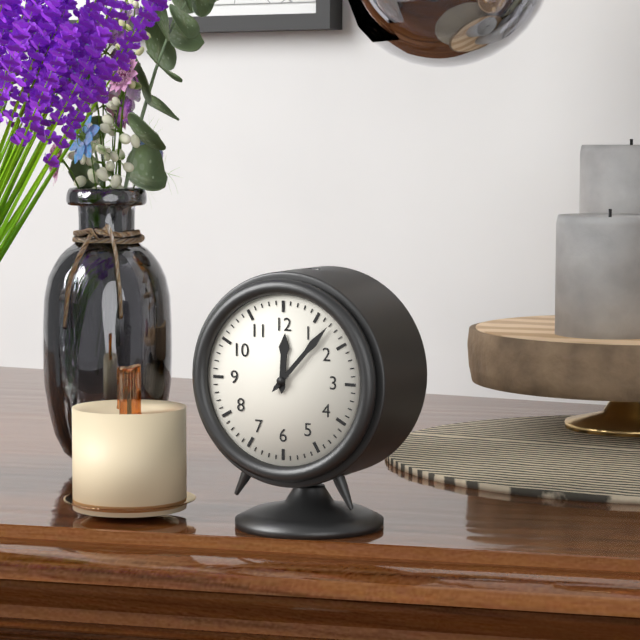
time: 12:07
